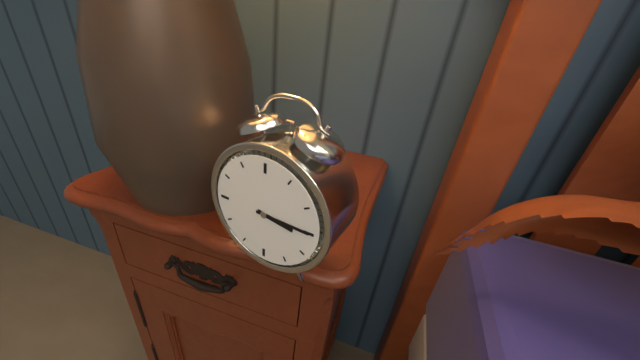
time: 3:15
